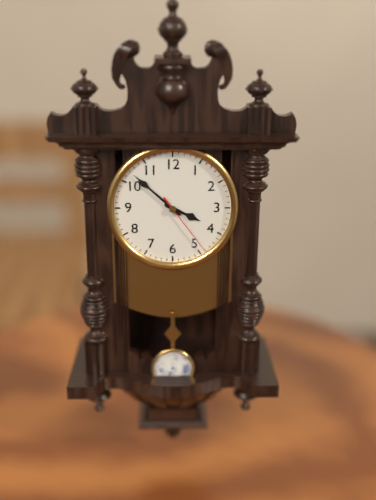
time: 3:52:24
